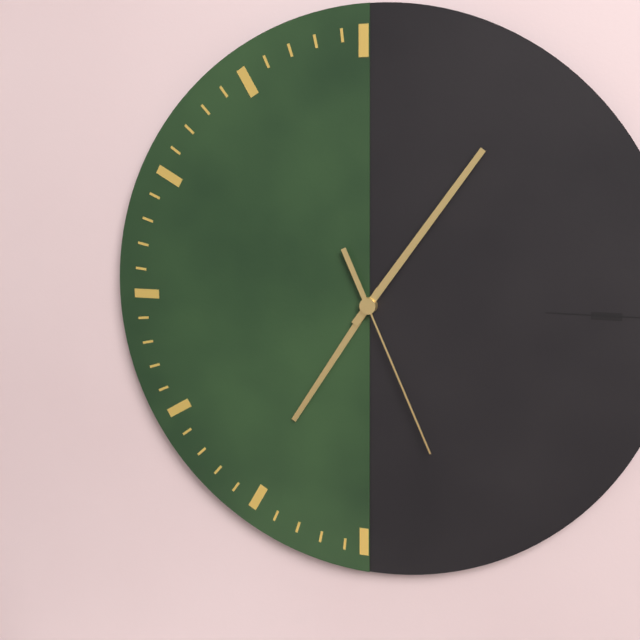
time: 7:06:26
